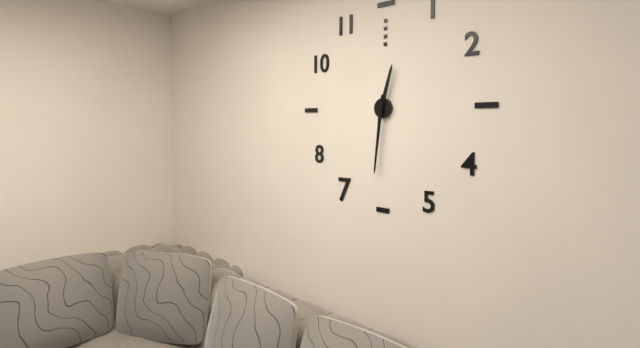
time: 12:31
